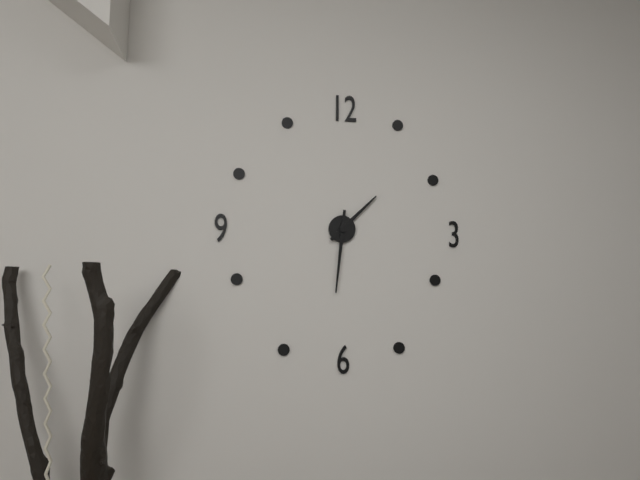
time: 1:31
